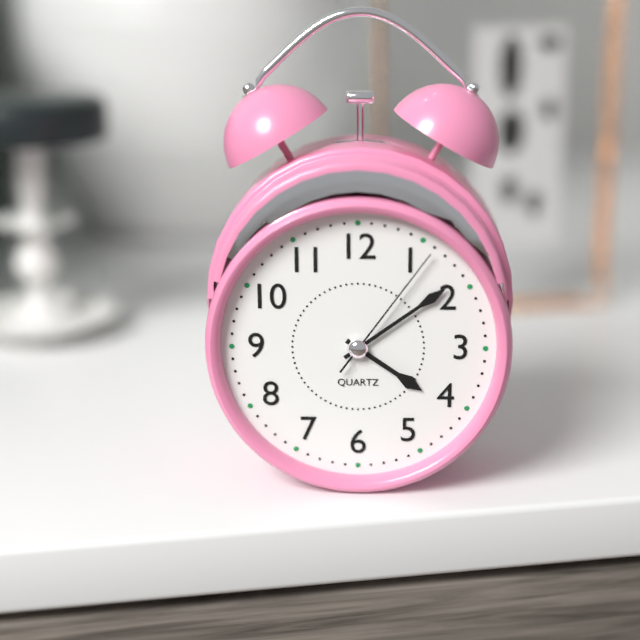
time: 4:09:06
